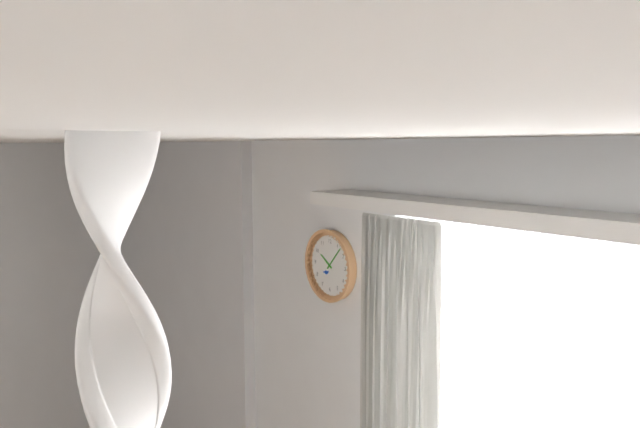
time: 10:07
